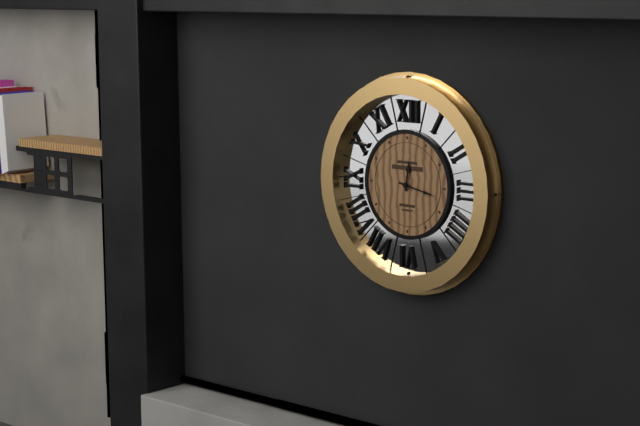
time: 12:17
